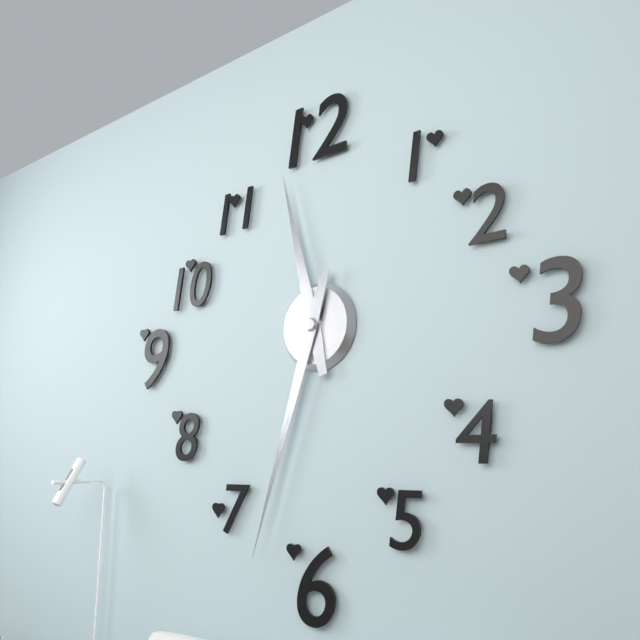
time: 11:33
